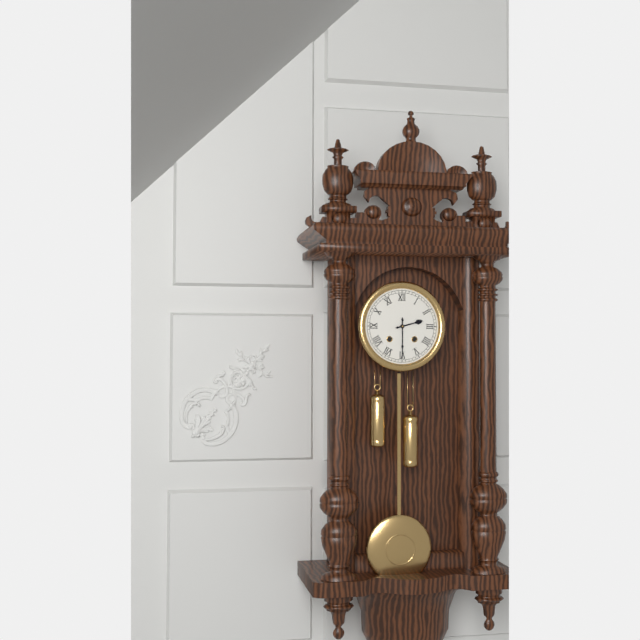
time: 2:30
